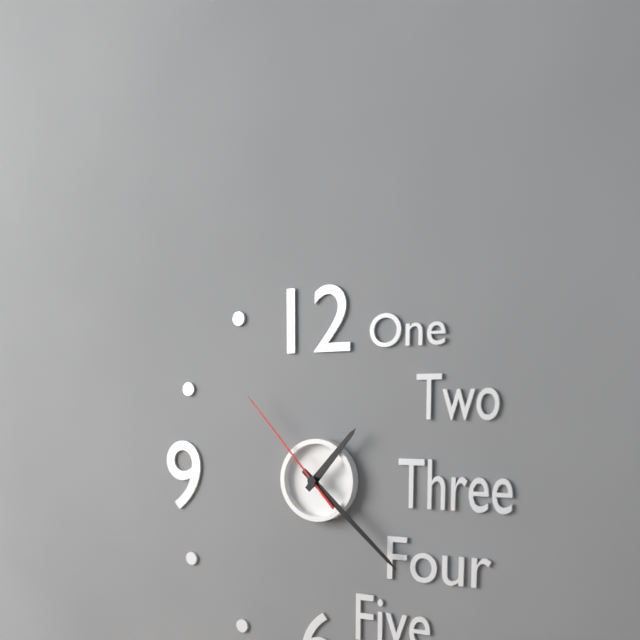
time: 1:22:53
